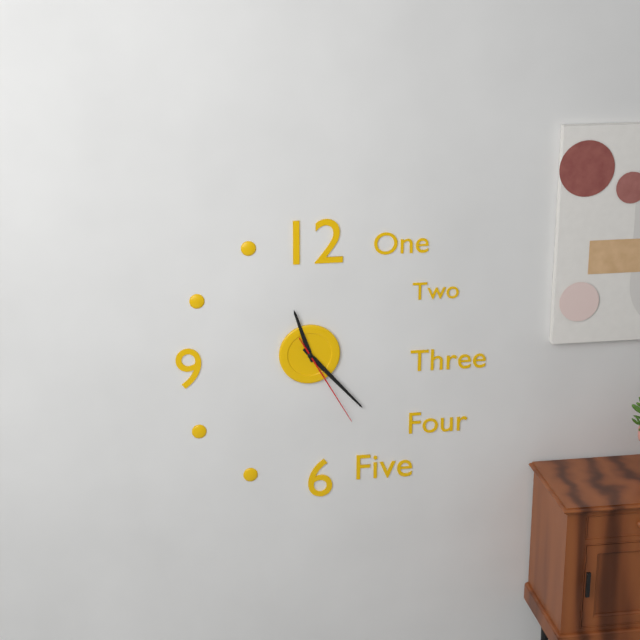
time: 11:23:25
